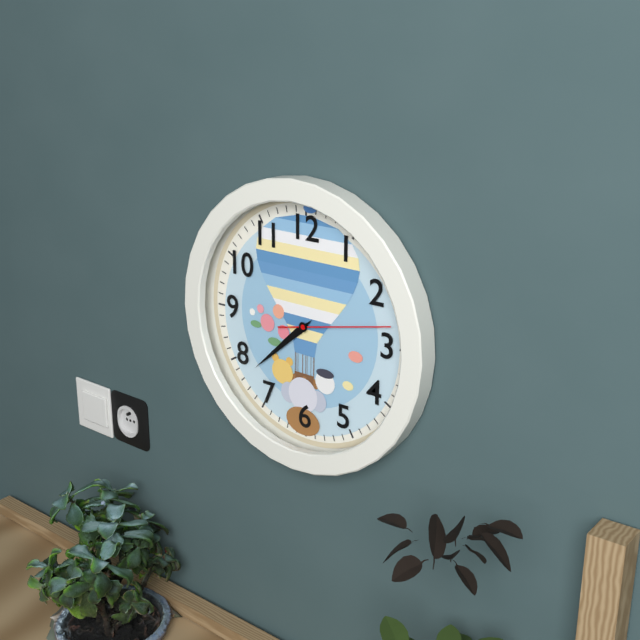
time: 7:38:13
